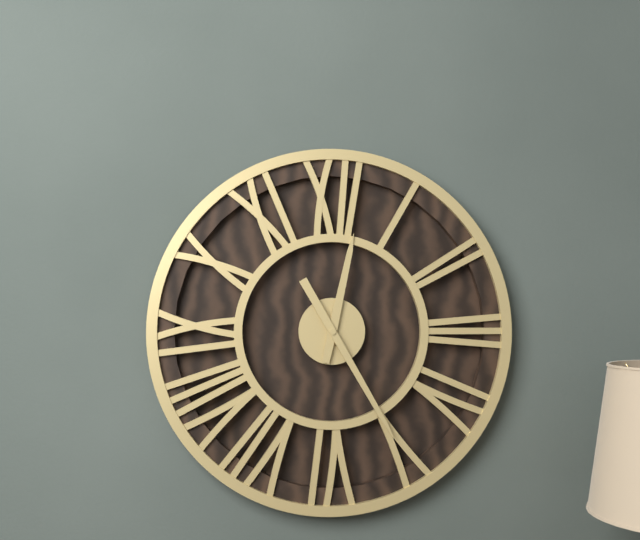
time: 12:25
